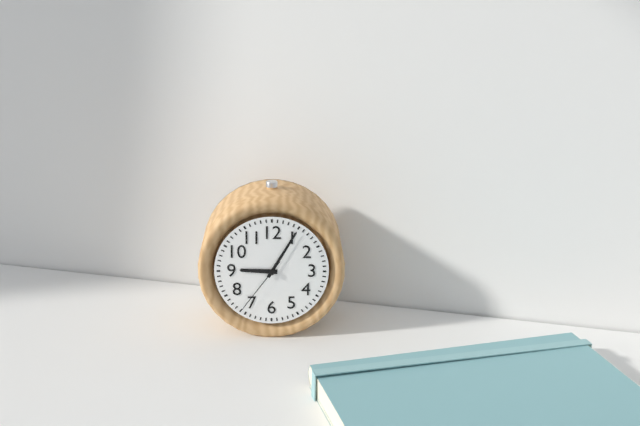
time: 9:05:36
